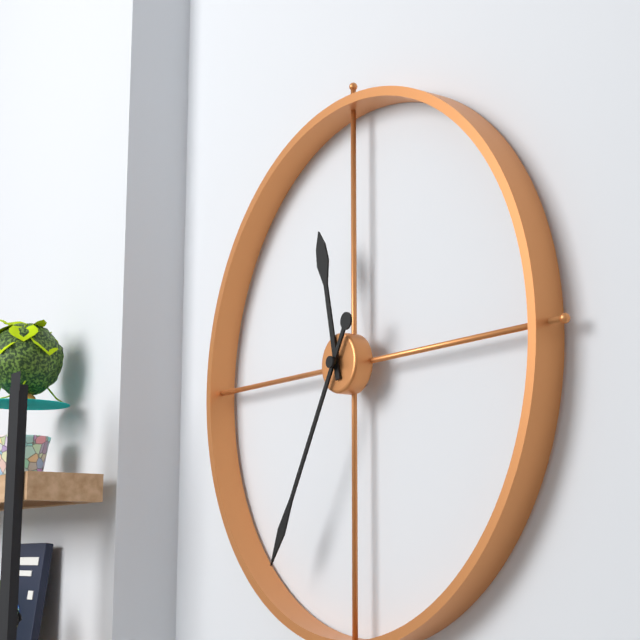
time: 11:35
